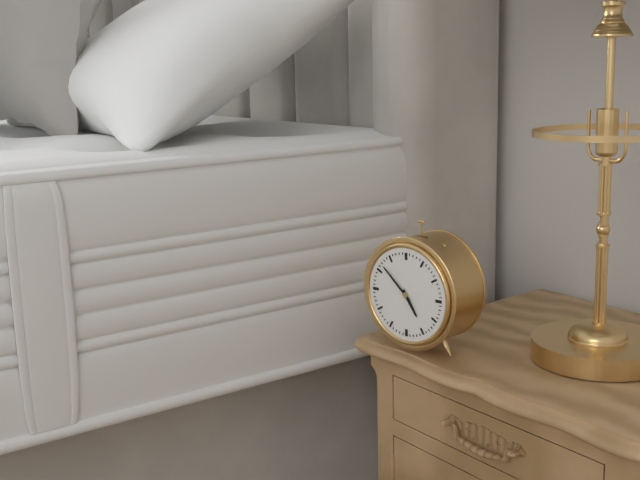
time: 4:52
